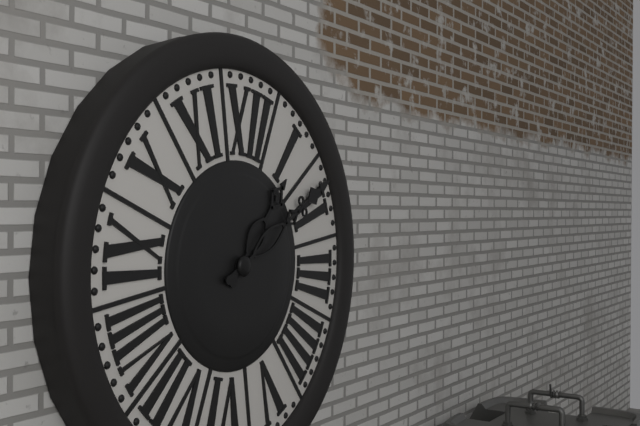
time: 1:09
